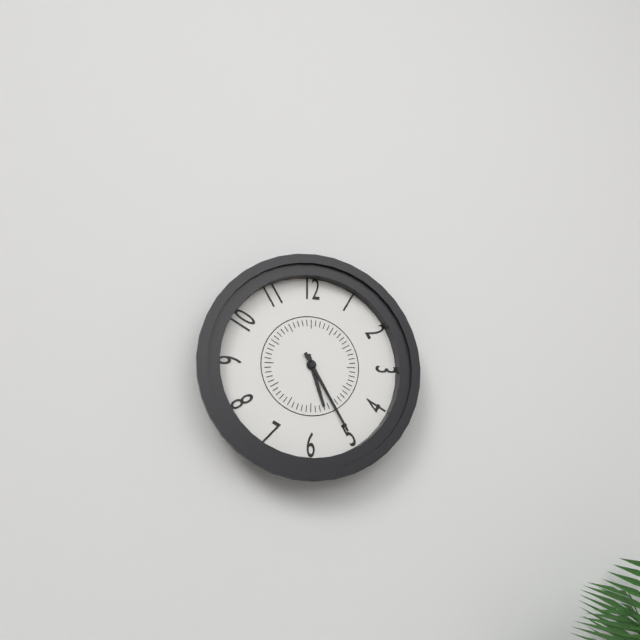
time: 5:25
